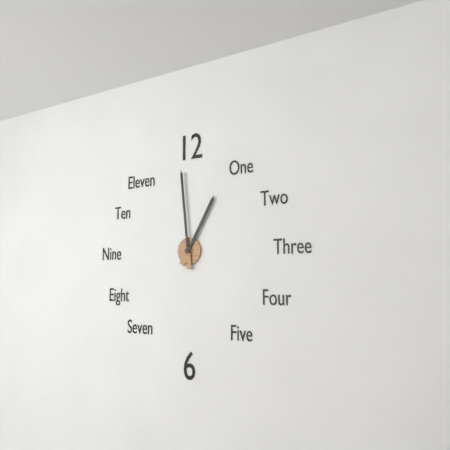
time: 12:59
